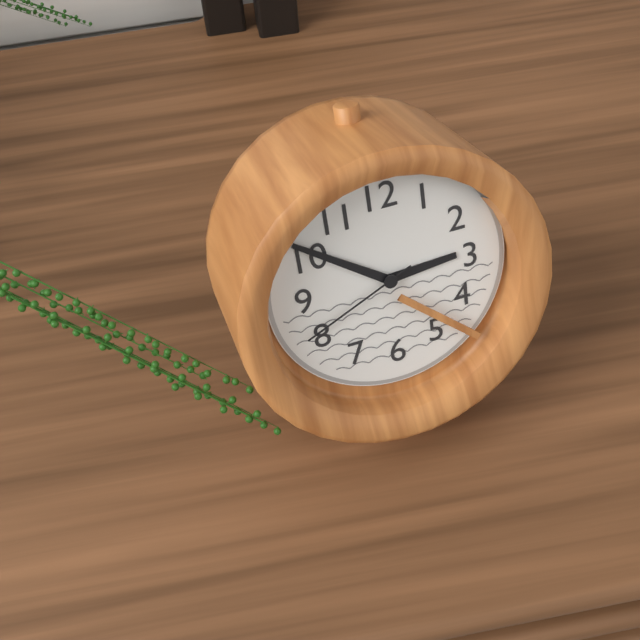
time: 2:51:41
